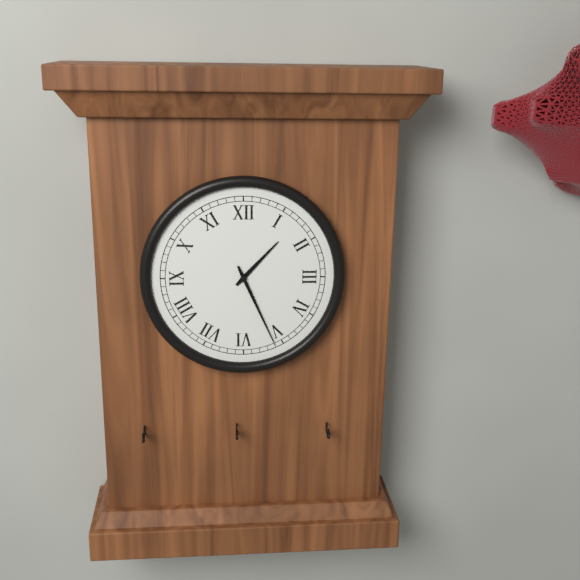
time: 1:26
